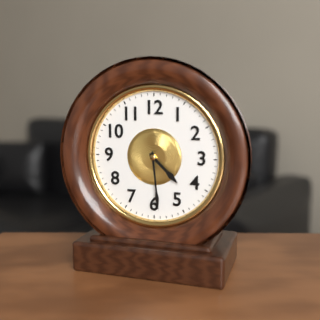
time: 4:29
